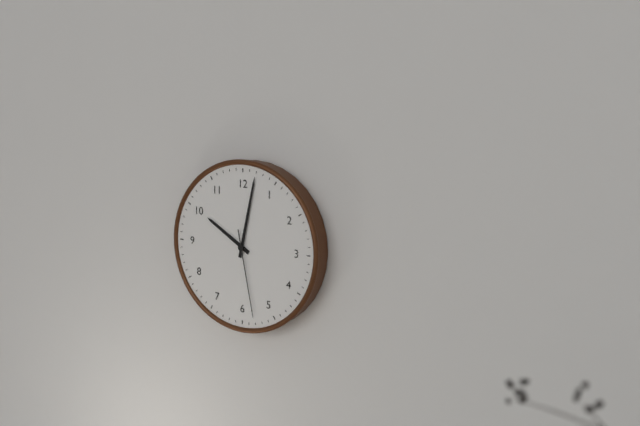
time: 10:02:28
